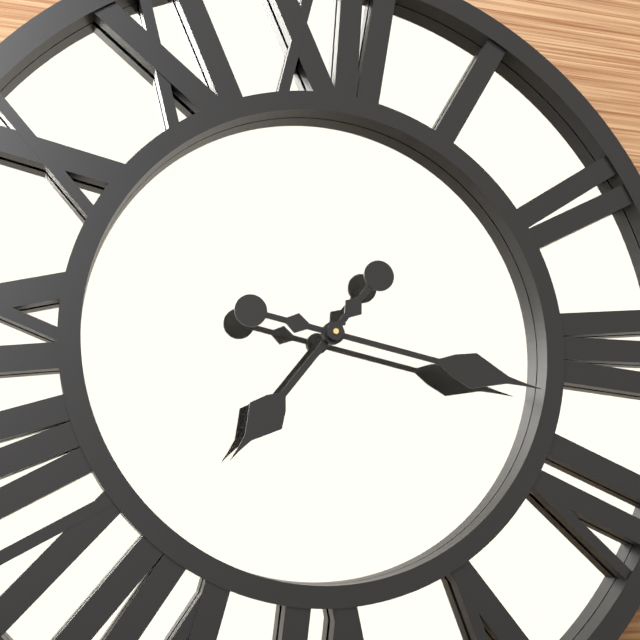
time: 7:17
